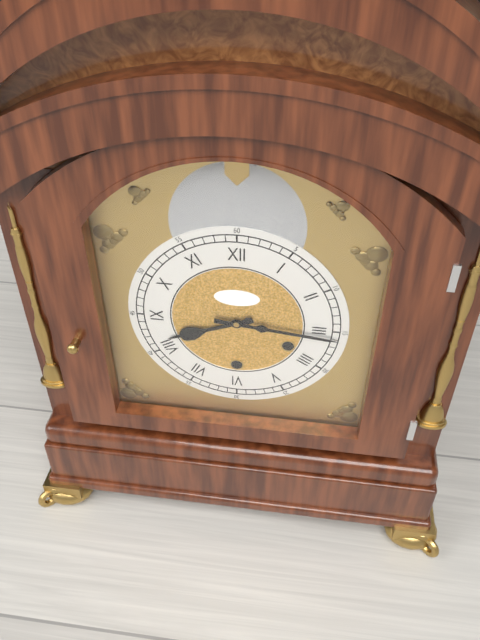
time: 8:16
